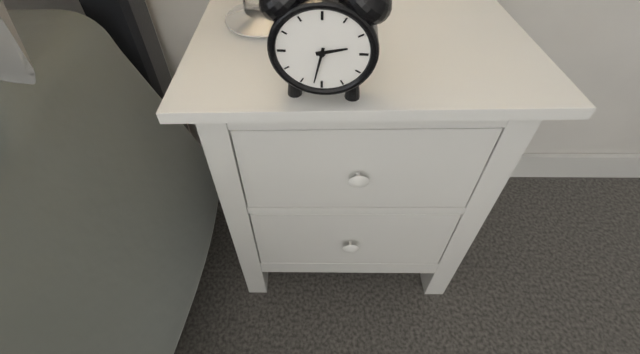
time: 2:32
